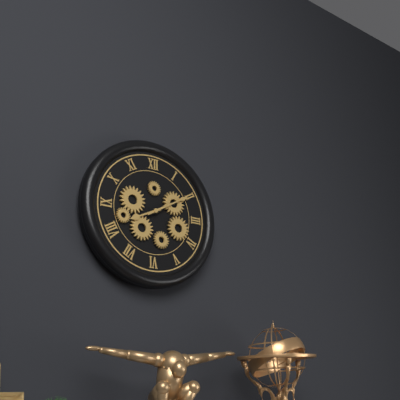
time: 8:10
